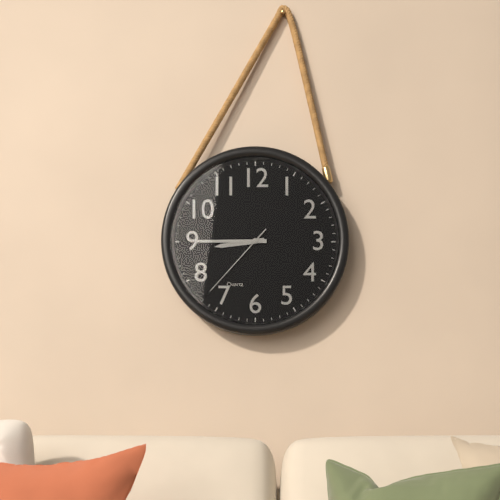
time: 8:45:37
